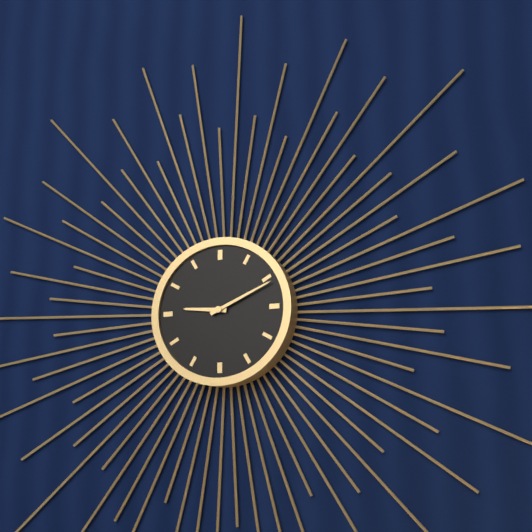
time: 9:11
